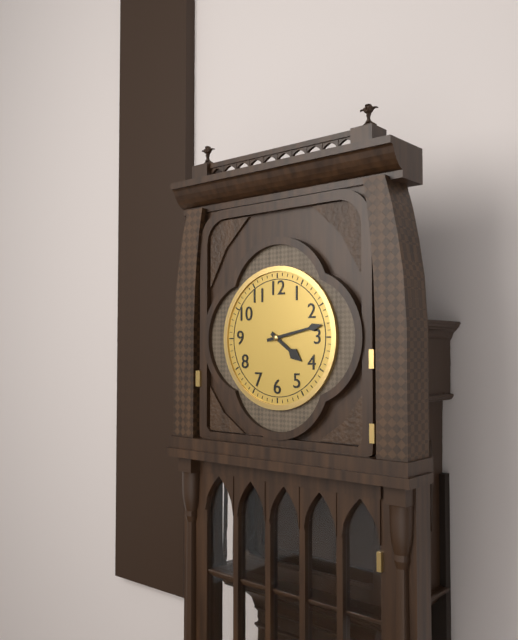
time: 4:13
